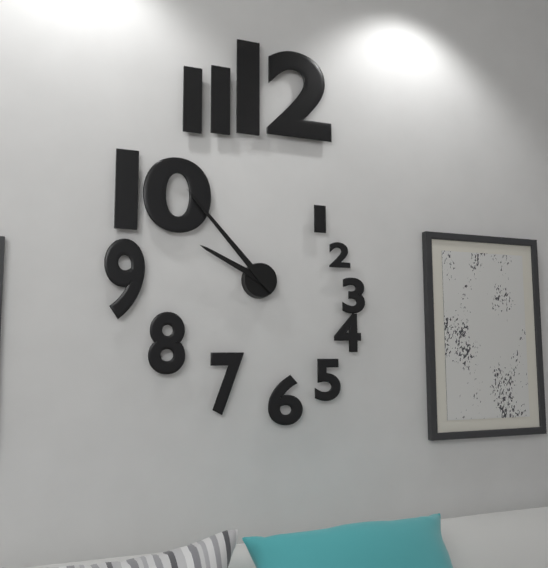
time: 9:53
